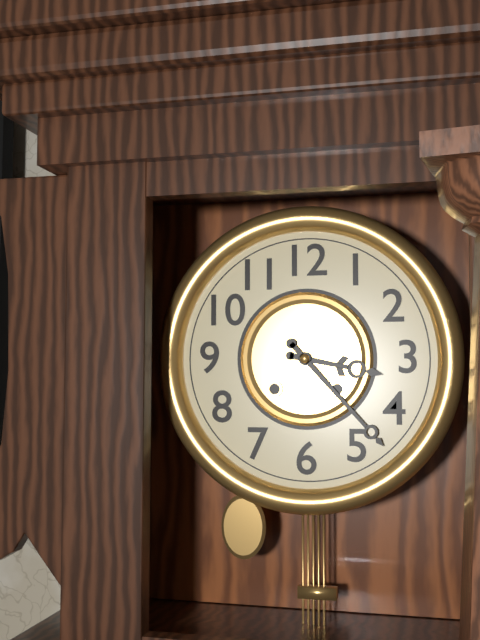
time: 3:23
